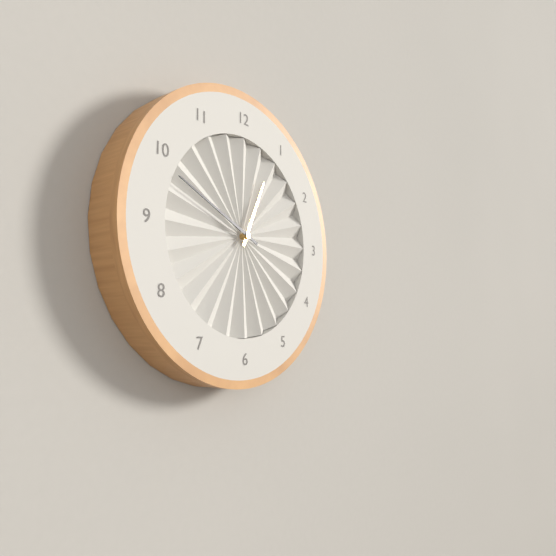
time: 12:49
